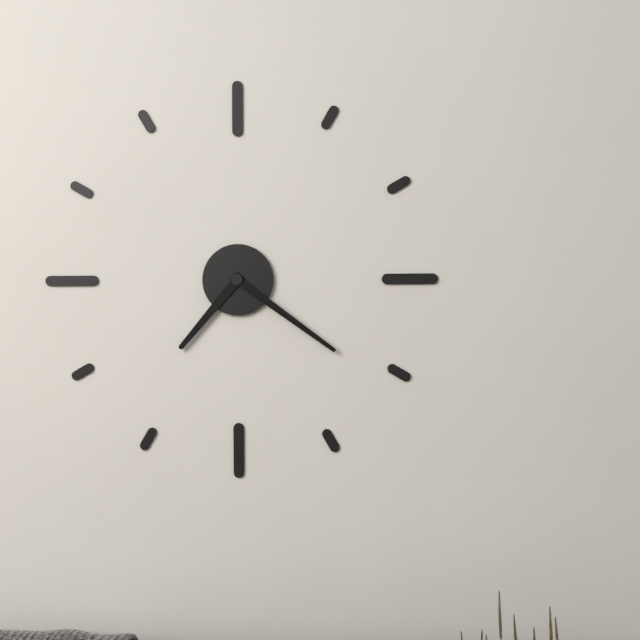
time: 7:21
